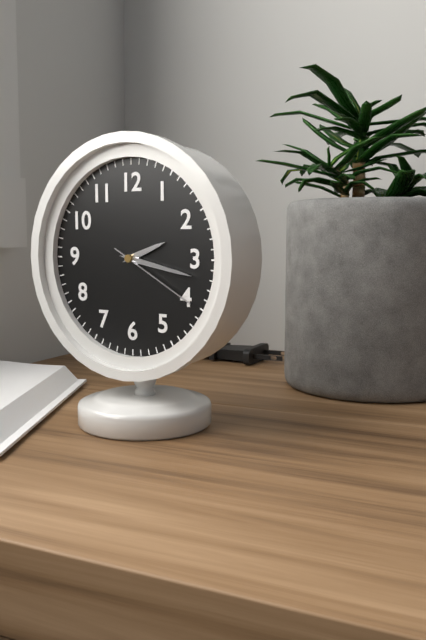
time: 2:17:20
